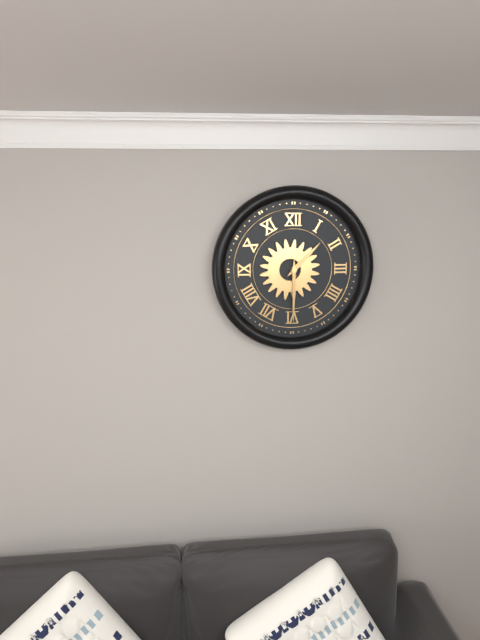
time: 1:30
